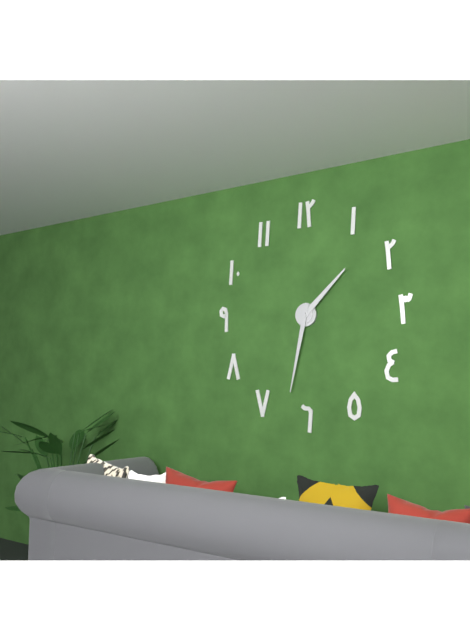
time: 1:32
